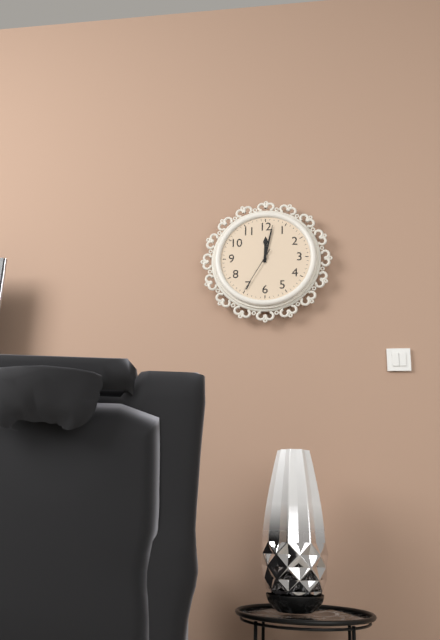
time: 12:02
